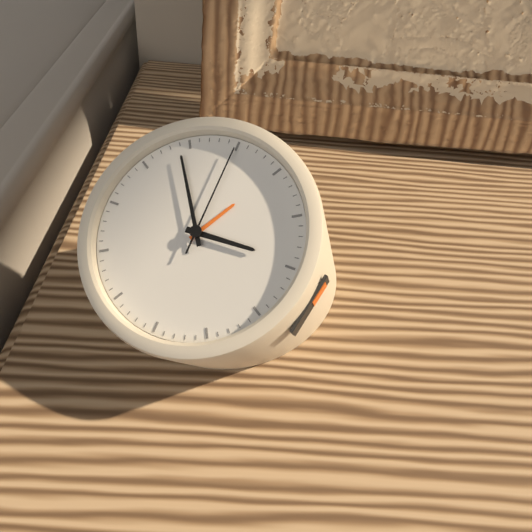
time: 2:54:00
